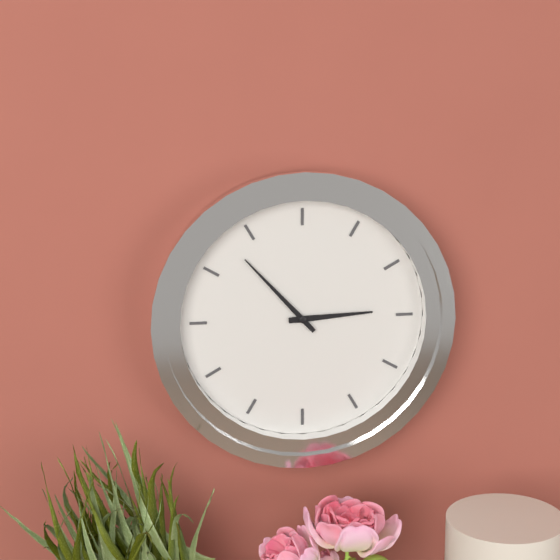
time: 2:53
